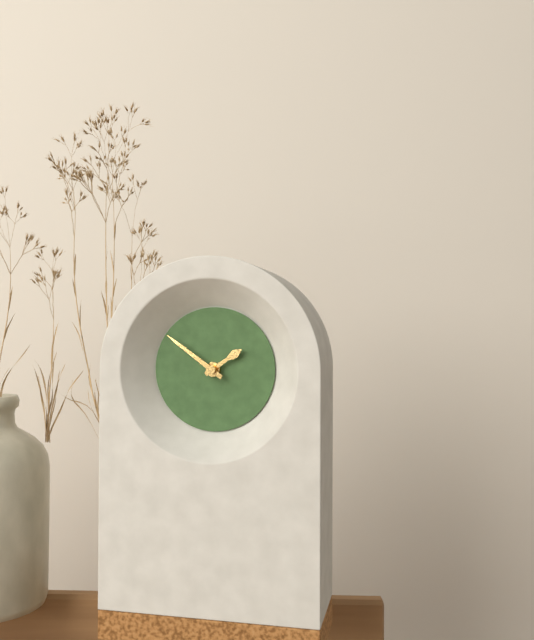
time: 1:51
